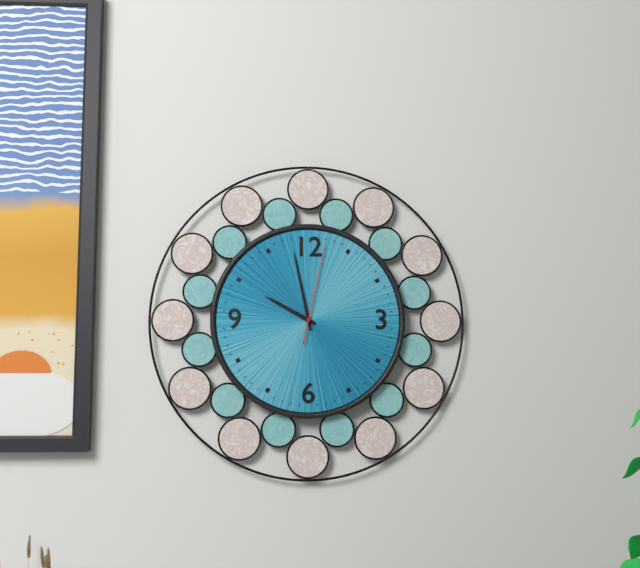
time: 9:58:02
